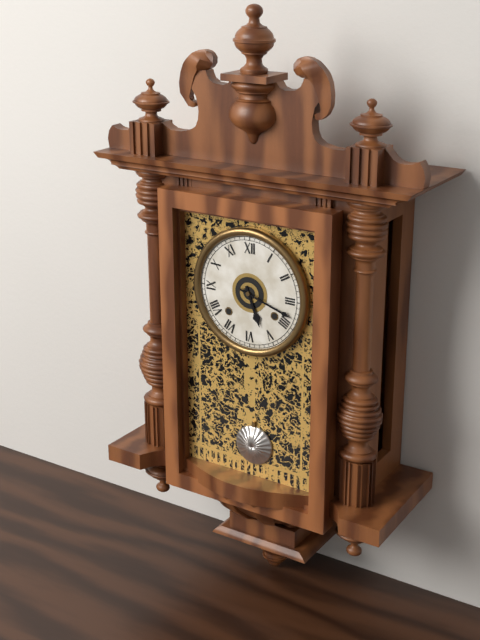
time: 5:18
